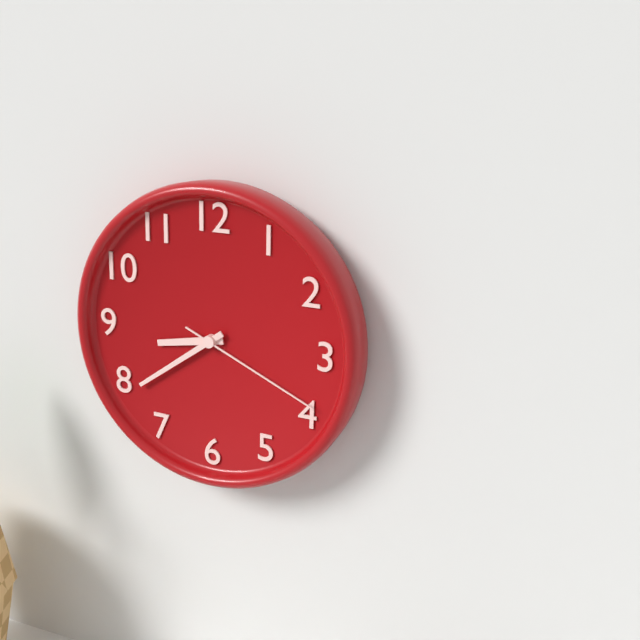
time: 8:39:19
